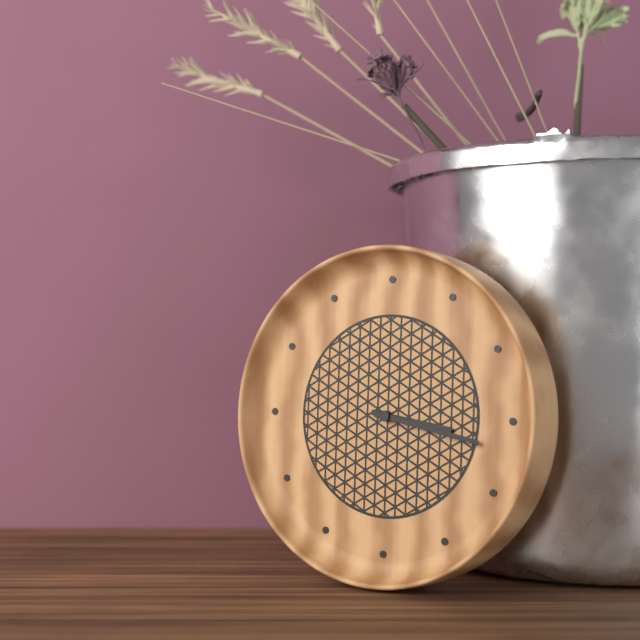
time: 3:17
